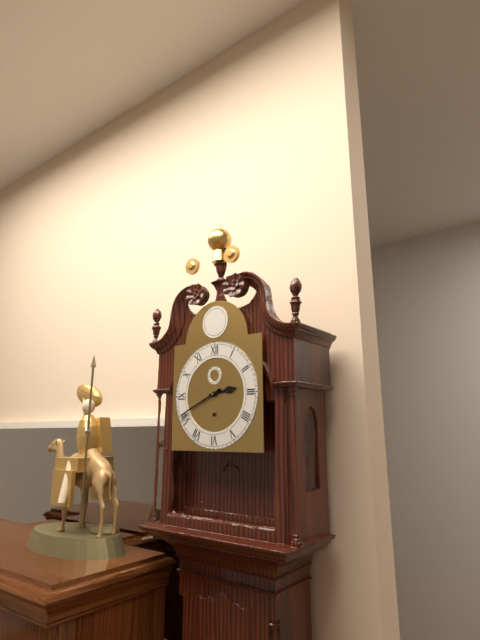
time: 2:41
